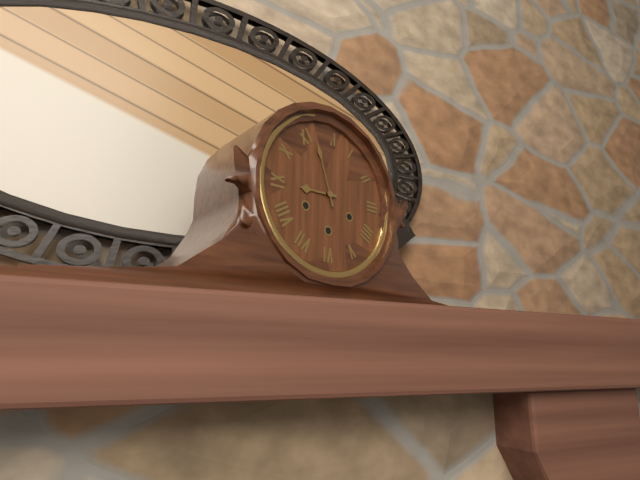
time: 8:57
